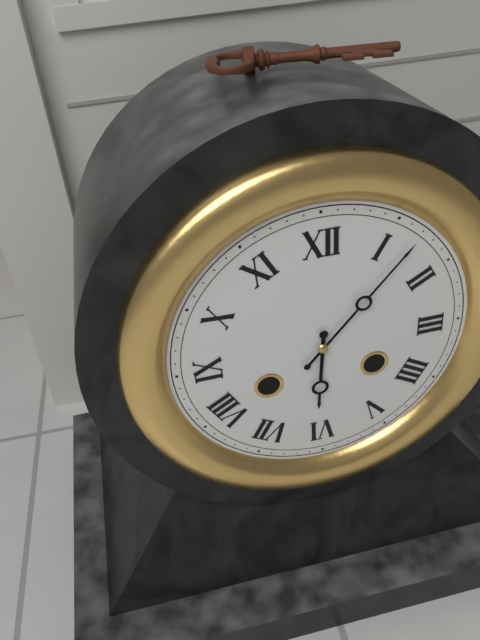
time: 6:07
